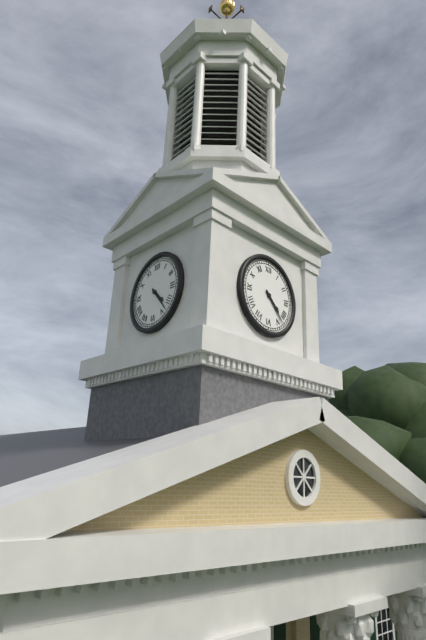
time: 4:23
